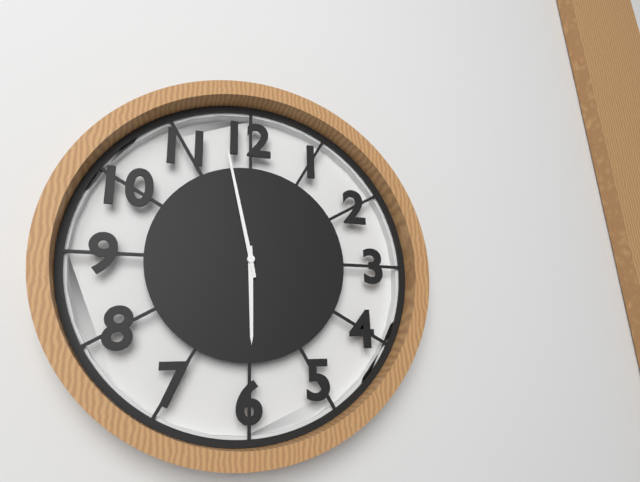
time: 5:58
